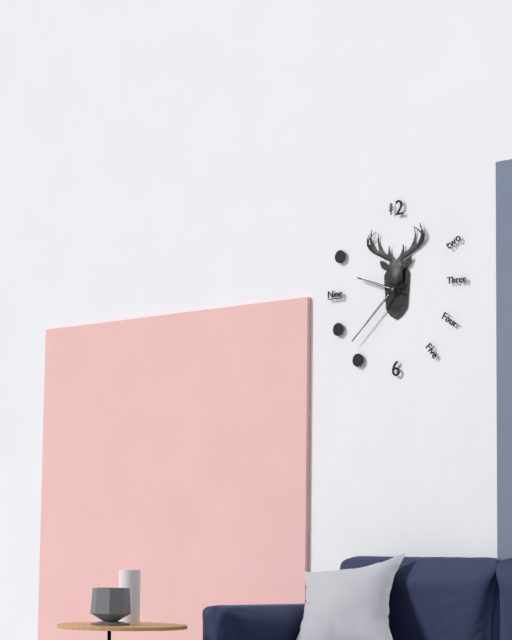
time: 9:38
